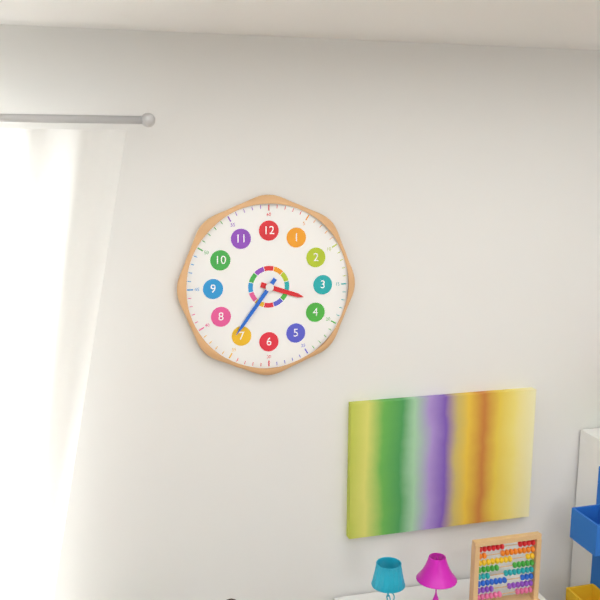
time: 3:36
